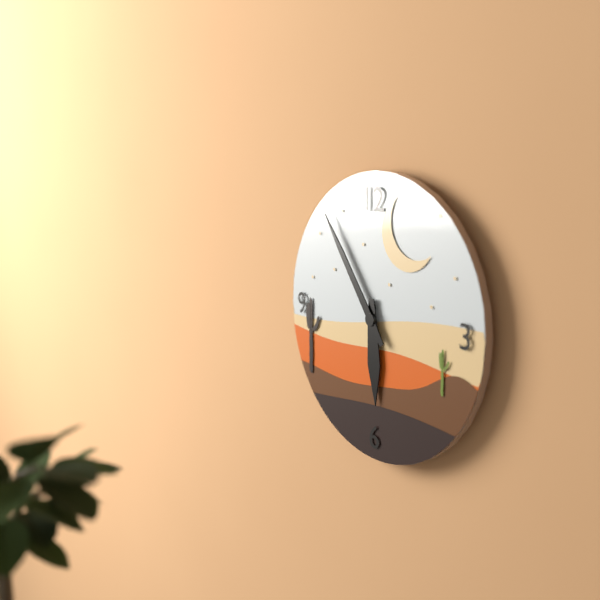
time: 5:54
